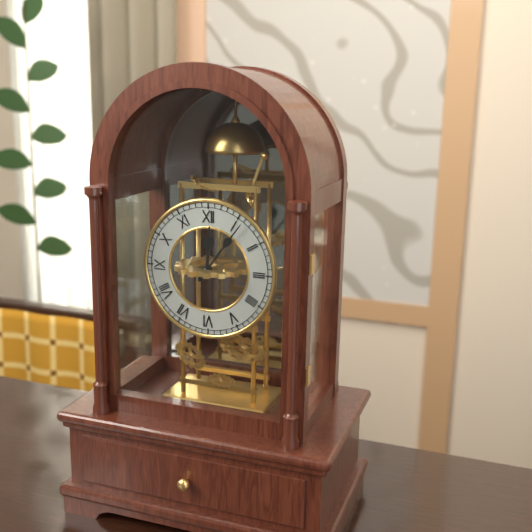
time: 12:06
